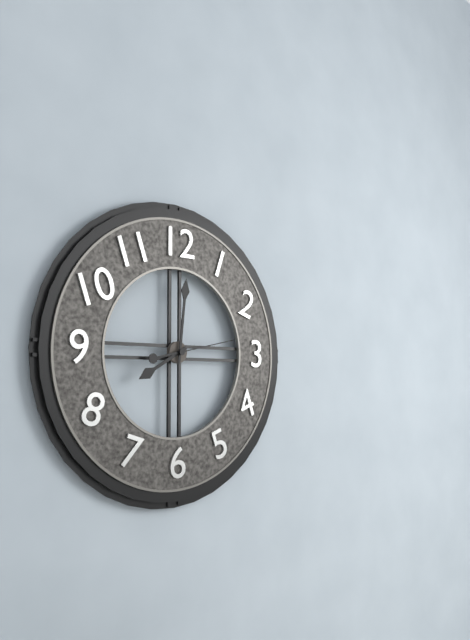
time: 8:01:13
